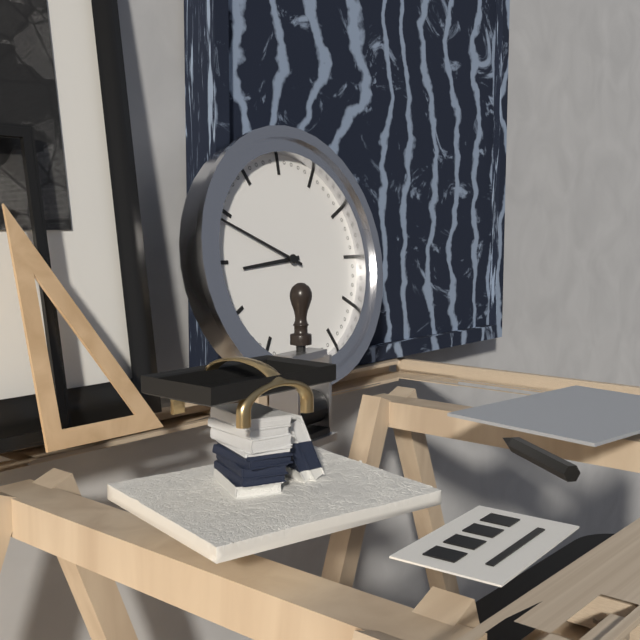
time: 8:49
